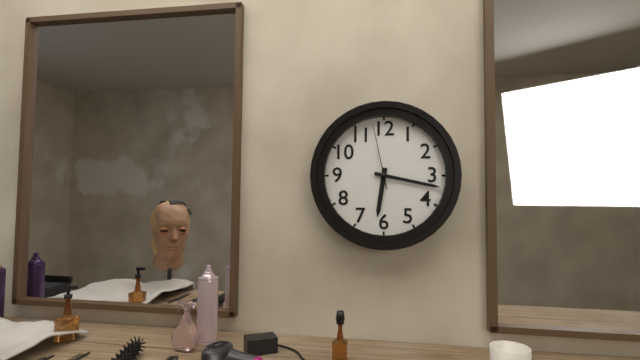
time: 6:17:58
